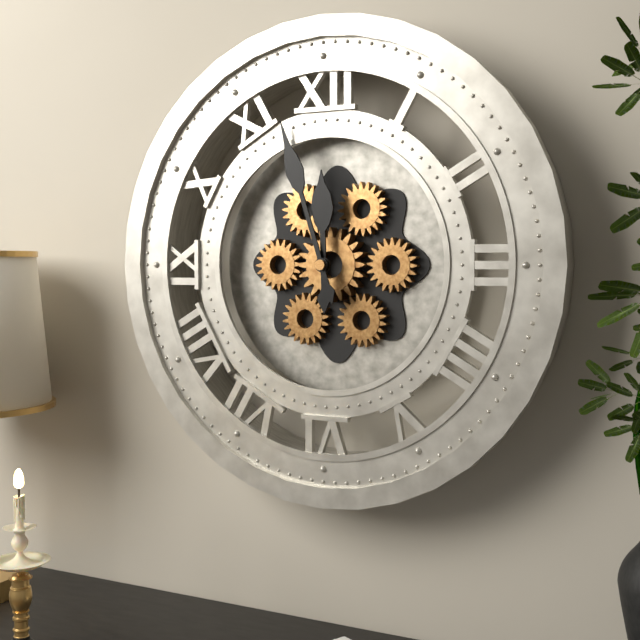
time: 11:57
